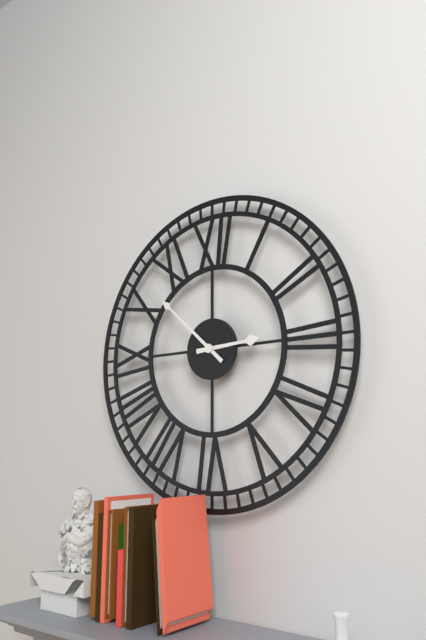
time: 2:52
